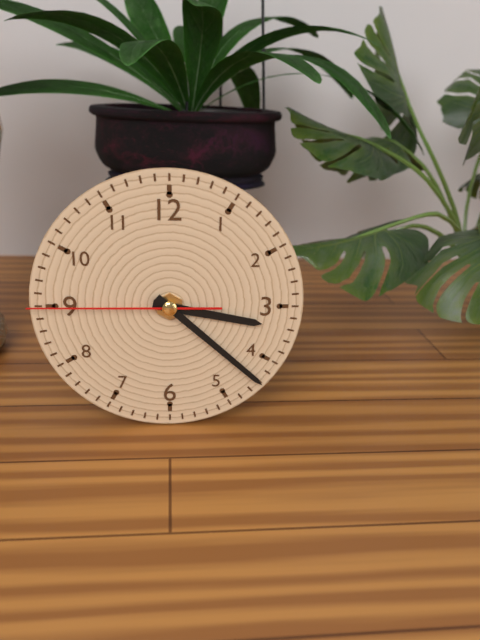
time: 3:22:45
